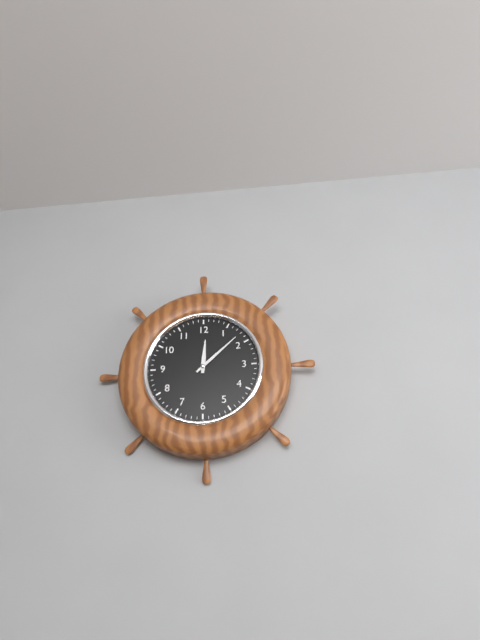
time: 12:08
